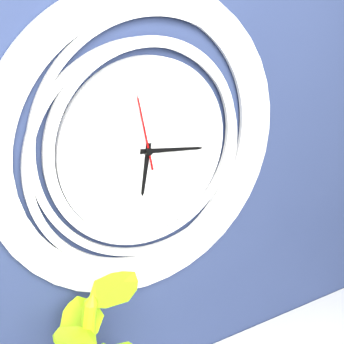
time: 6:16:58
